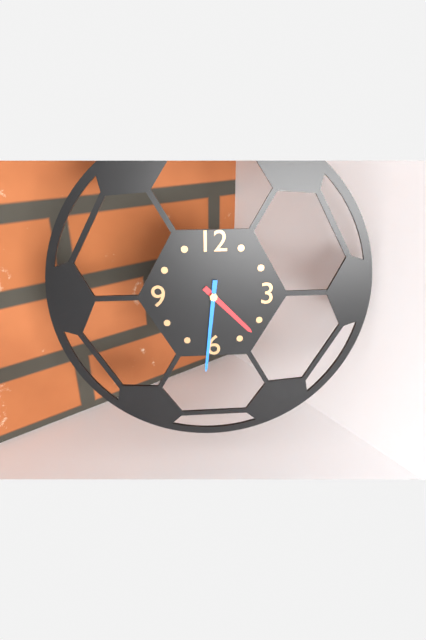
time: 4:31
